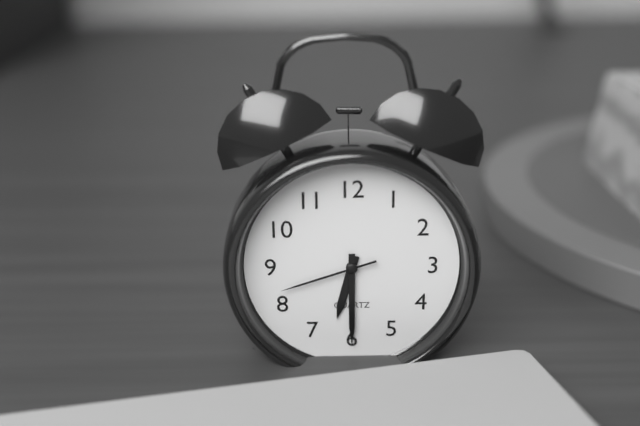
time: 6:30:42
